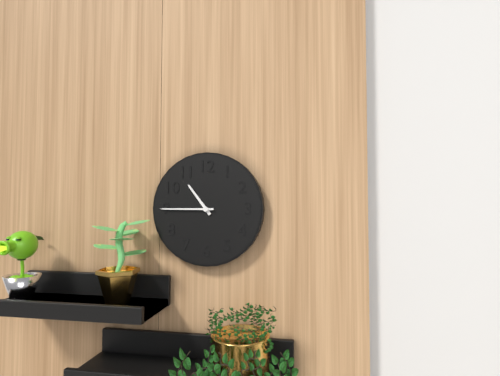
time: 10:45
